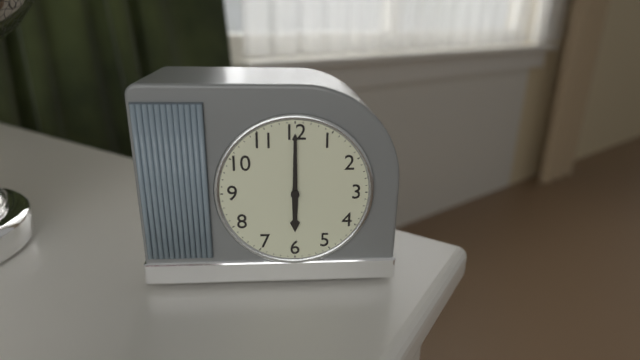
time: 6:00
